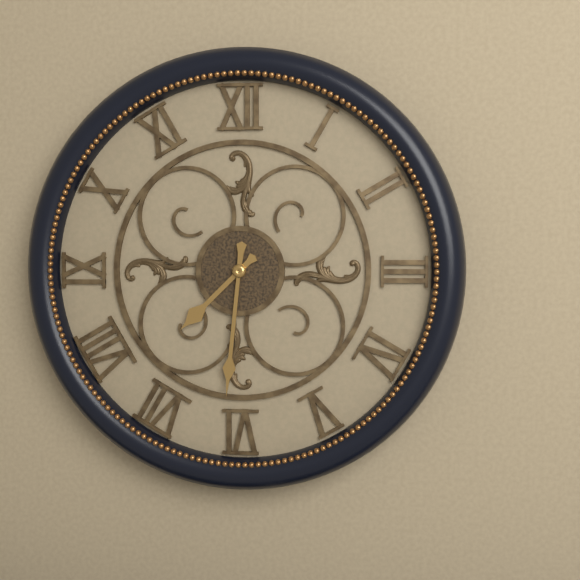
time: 7:31
